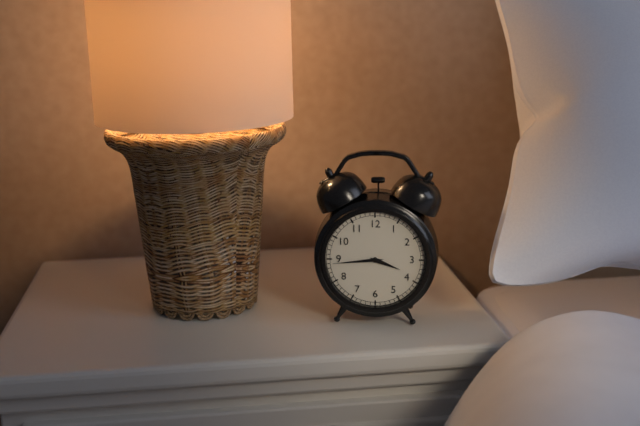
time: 3:44
